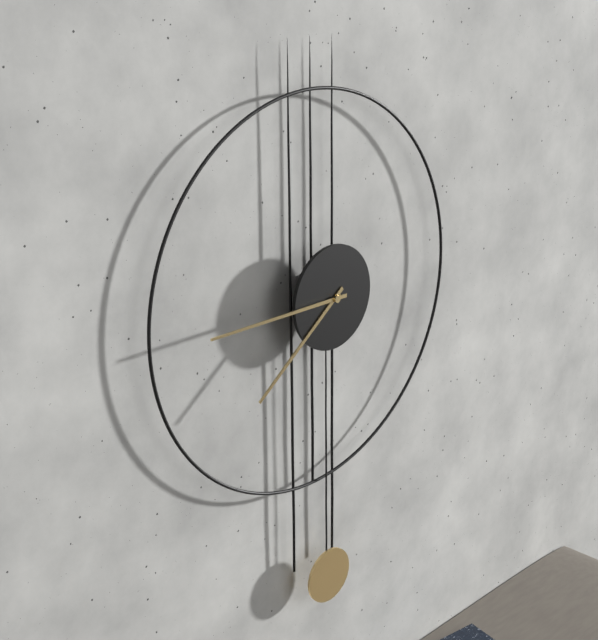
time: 7:45
